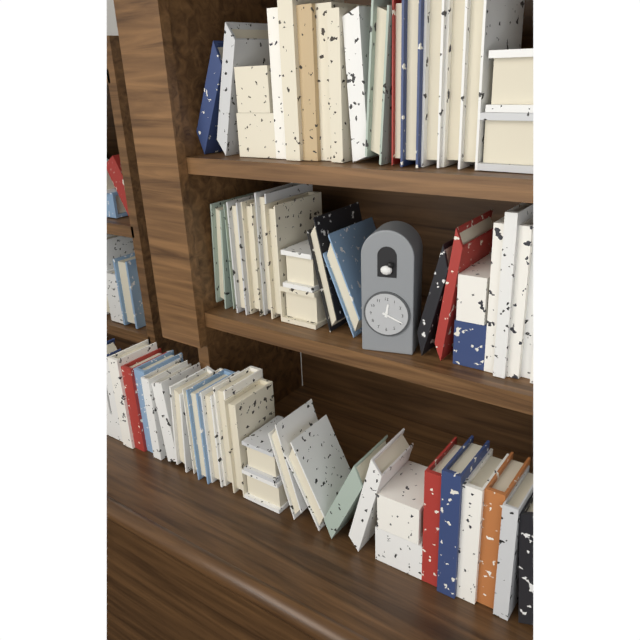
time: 12:19
